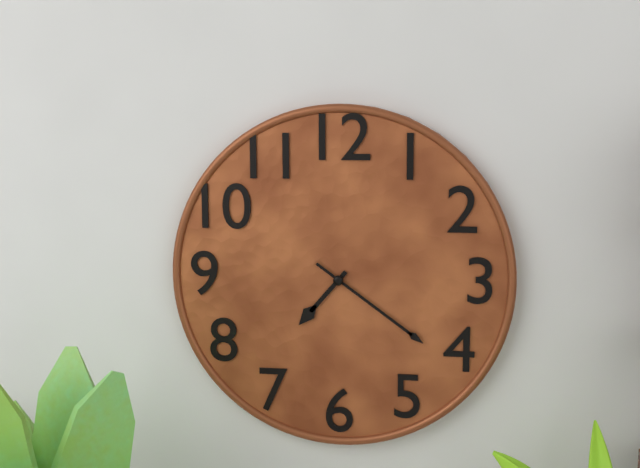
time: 7:21
